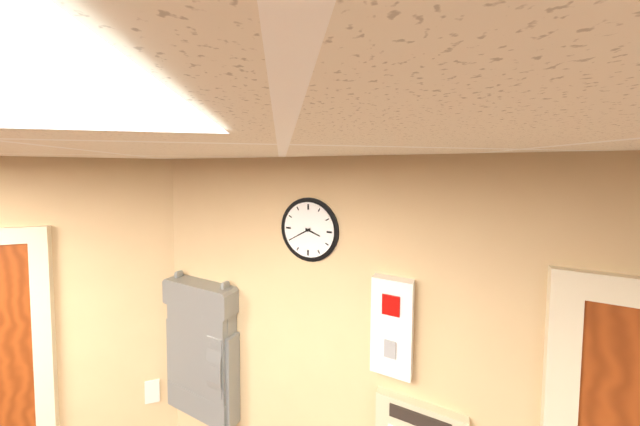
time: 3:40
